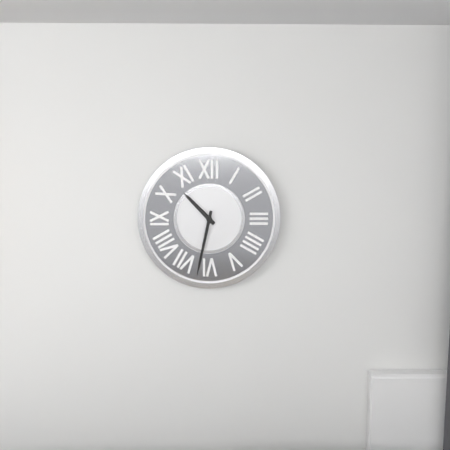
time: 10:32
